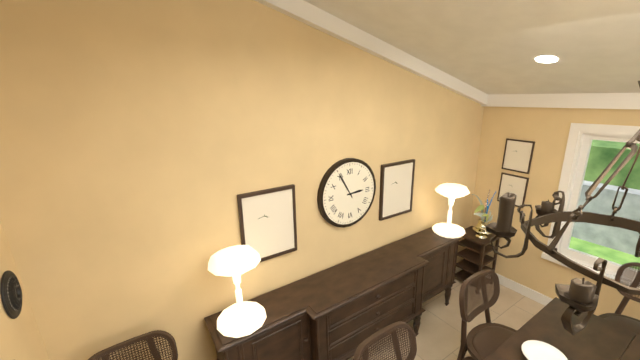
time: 2:55
